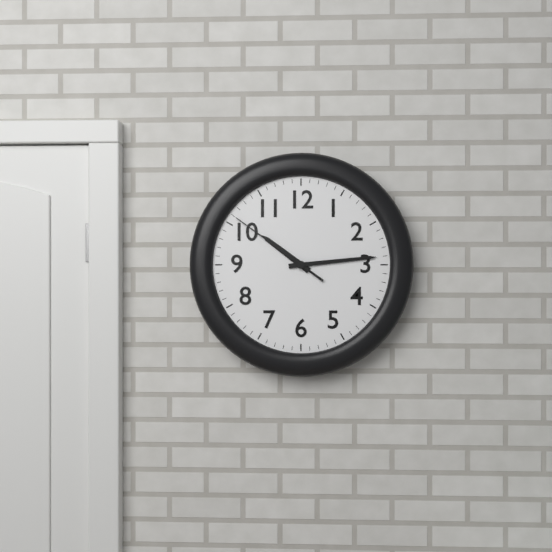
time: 10:14:51
